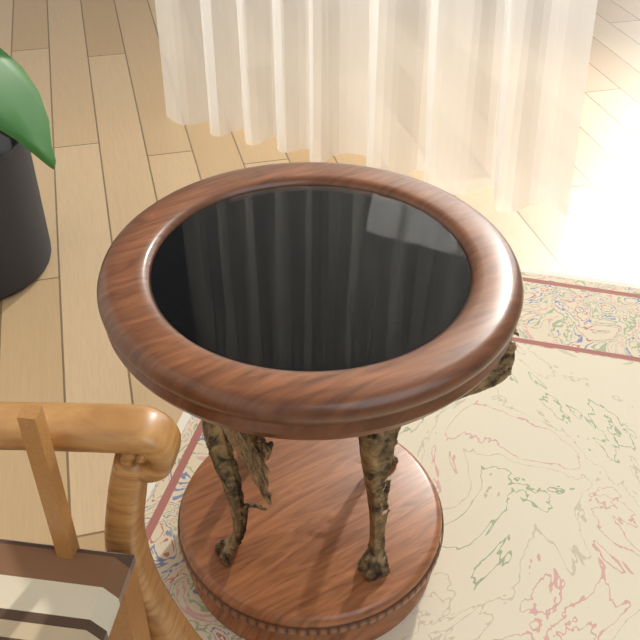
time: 1:21
